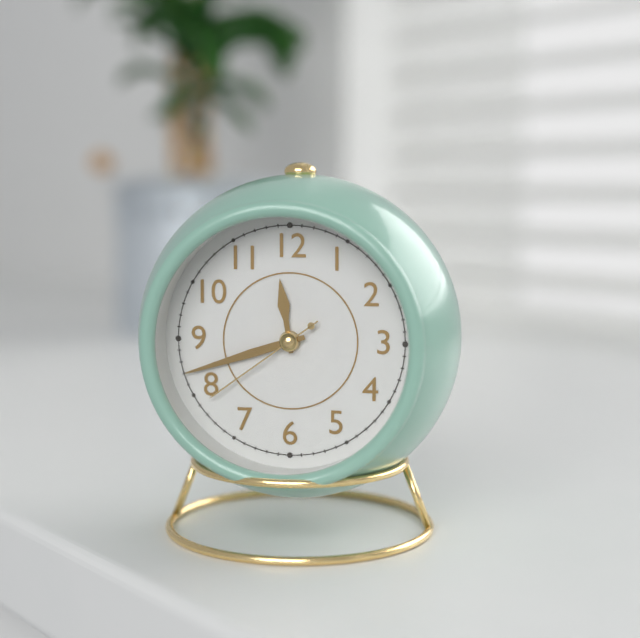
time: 11:42:39
